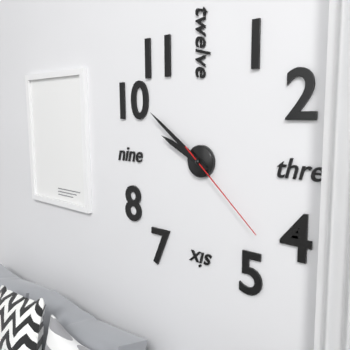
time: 9:51:22
